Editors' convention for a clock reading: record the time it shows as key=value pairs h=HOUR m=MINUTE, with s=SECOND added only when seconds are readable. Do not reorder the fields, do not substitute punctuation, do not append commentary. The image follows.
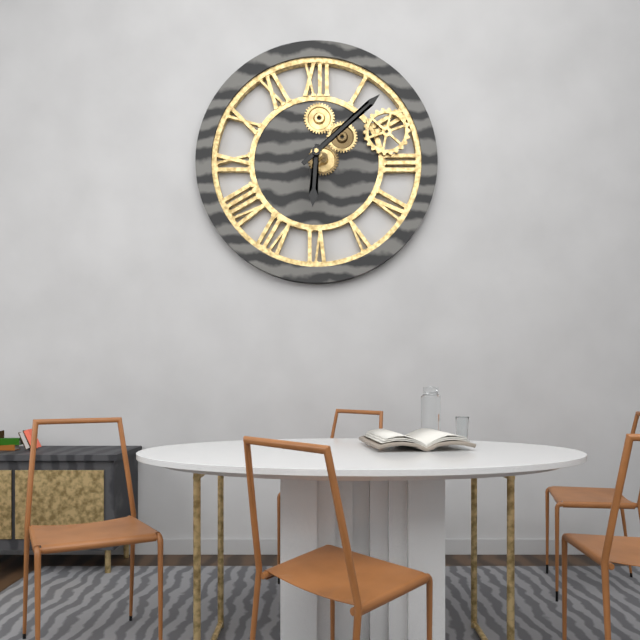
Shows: h=6 m=8
